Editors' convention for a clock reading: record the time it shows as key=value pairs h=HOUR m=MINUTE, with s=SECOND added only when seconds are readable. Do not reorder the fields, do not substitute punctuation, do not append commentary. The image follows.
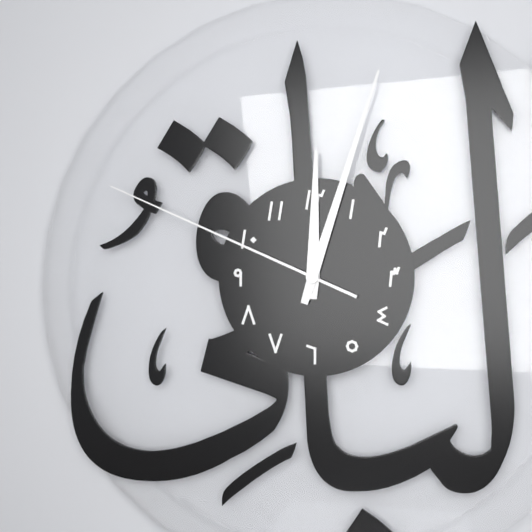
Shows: h=12 m=3 s=49
